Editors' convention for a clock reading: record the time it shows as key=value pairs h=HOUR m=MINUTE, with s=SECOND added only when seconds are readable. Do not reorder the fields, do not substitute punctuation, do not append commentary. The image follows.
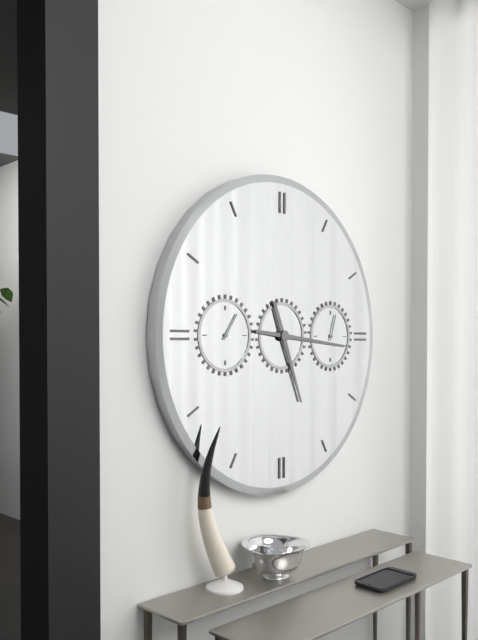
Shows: h=5 m=16
